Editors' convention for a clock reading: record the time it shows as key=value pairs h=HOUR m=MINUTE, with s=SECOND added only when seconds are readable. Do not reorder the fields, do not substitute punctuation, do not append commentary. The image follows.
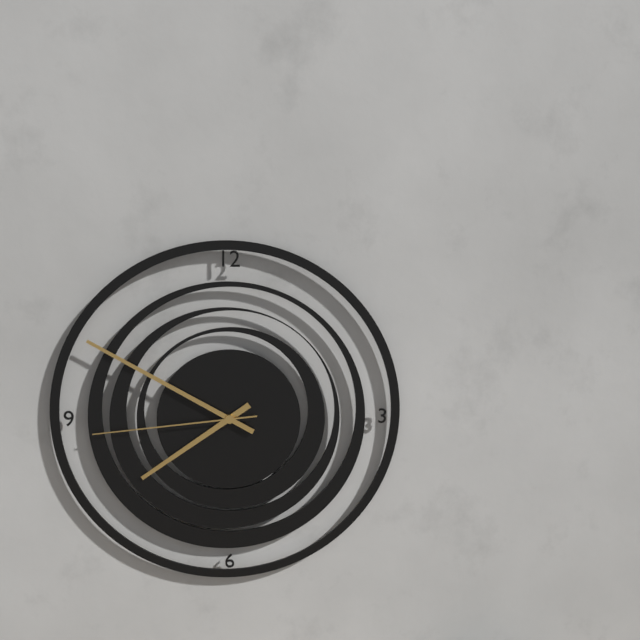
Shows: h=7 m=50 s=44
